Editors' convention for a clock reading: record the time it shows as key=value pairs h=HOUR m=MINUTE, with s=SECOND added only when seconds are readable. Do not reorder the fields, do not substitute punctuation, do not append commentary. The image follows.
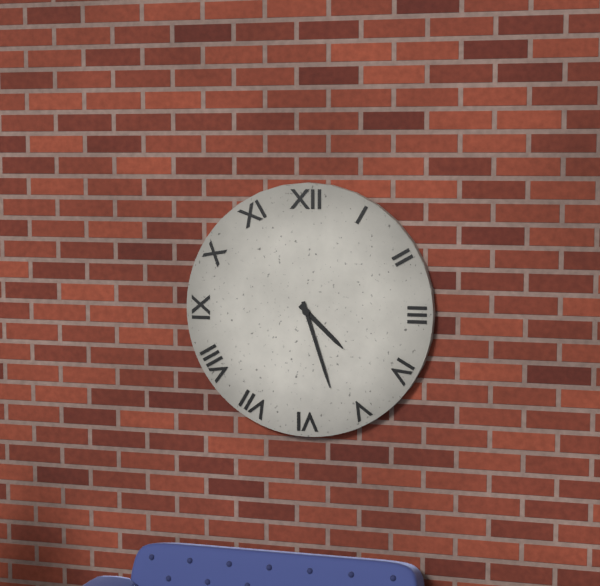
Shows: h=4 m=27
